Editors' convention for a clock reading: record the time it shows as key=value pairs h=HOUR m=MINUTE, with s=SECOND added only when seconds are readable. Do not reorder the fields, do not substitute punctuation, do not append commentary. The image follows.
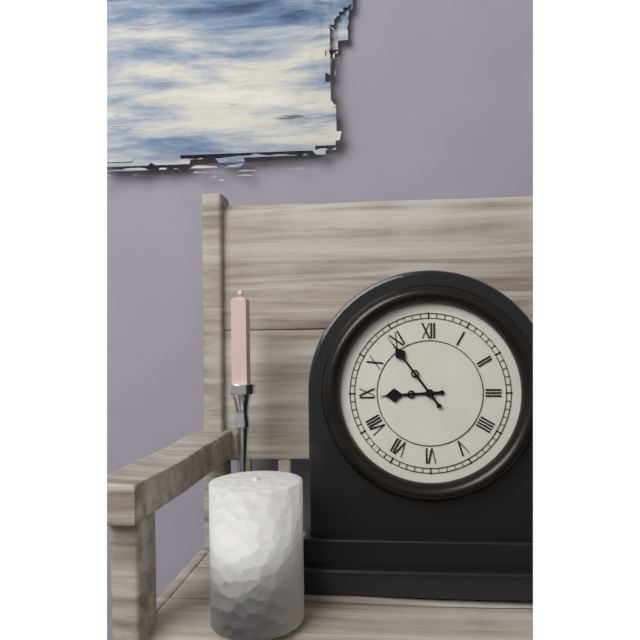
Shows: h=8 m=54
